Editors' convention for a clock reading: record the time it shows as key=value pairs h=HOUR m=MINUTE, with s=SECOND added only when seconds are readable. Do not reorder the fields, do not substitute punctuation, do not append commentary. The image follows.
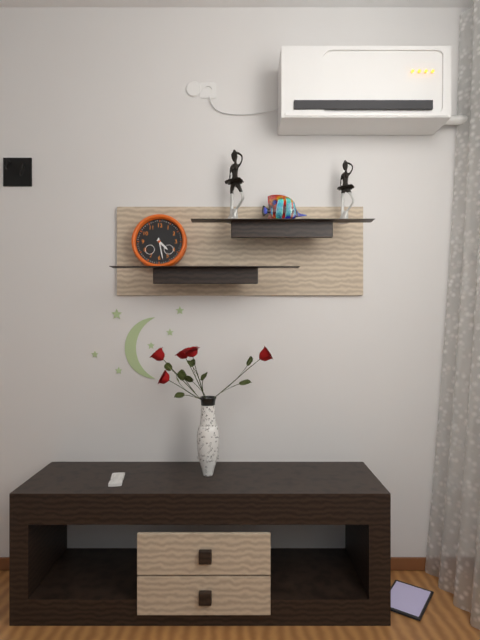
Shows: h=4 m=28
